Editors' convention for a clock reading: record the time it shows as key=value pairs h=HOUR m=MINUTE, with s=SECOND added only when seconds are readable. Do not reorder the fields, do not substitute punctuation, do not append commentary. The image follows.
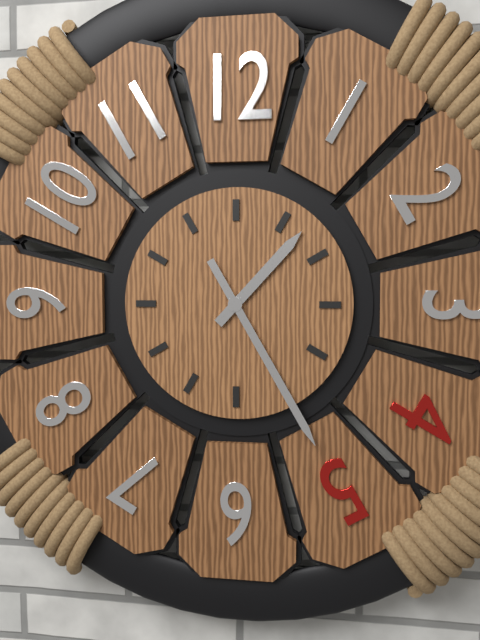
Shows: h=1 m=25
